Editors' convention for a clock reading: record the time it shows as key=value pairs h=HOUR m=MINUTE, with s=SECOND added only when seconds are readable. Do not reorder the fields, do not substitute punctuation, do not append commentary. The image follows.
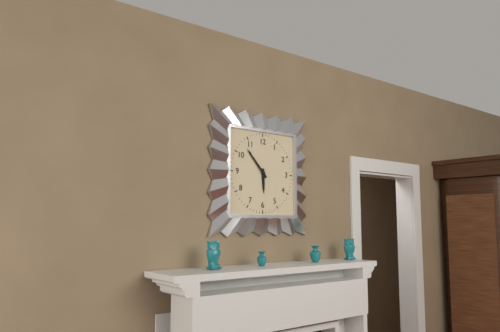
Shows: h=5 m=53
